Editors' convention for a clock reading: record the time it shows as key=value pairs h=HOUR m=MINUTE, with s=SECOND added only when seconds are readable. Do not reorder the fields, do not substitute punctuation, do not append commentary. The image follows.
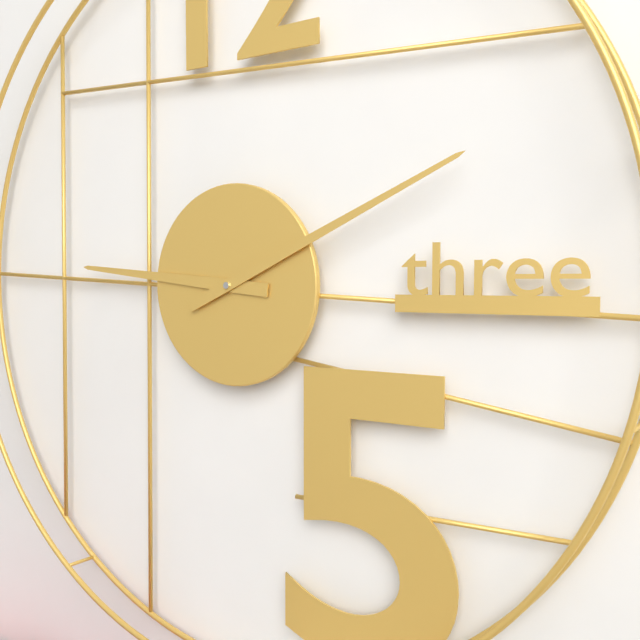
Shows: h=9 m=11
